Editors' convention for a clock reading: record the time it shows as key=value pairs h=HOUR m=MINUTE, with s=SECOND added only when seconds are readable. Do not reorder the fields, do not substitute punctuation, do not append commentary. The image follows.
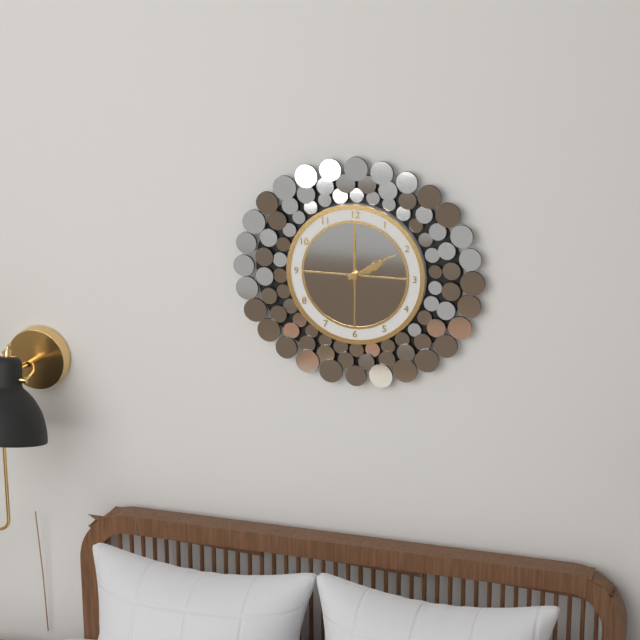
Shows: h=2 m=10 s=0
